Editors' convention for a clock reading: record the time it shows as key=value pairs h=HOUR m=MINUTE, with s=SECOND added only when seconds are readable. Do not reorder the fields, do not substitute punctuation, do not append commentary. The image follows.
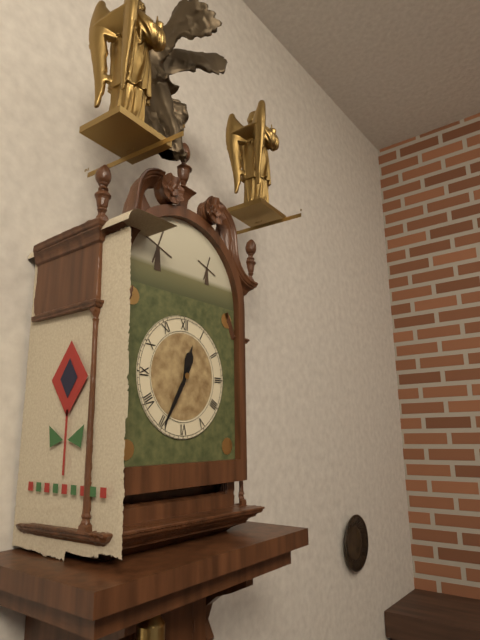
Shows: h=12 m=35
